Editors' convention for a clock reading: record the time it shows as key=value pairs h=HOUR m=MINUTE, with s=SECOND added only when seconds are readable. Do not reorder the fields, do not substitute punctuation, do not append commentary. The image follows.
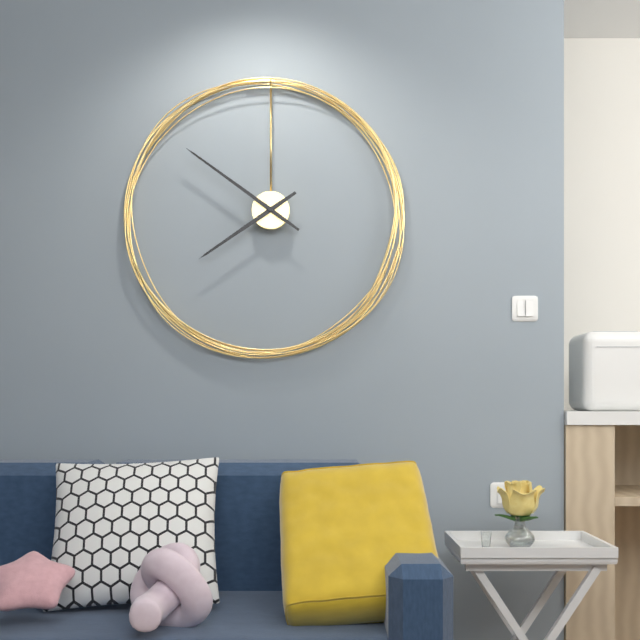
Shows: h=7 m=51
